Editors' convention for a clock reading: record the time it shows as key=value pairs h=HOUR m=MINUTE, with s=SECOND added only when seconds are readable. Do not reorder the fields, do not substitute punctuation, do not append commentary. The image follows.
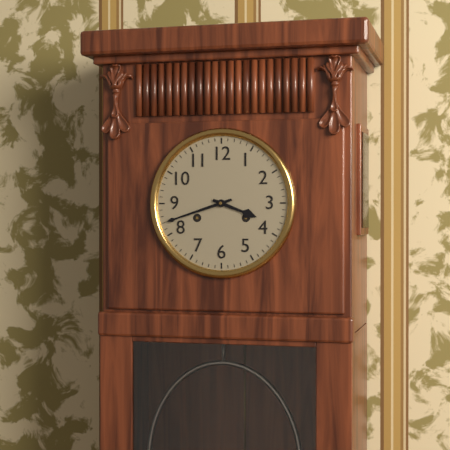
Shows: h=3 m=42
